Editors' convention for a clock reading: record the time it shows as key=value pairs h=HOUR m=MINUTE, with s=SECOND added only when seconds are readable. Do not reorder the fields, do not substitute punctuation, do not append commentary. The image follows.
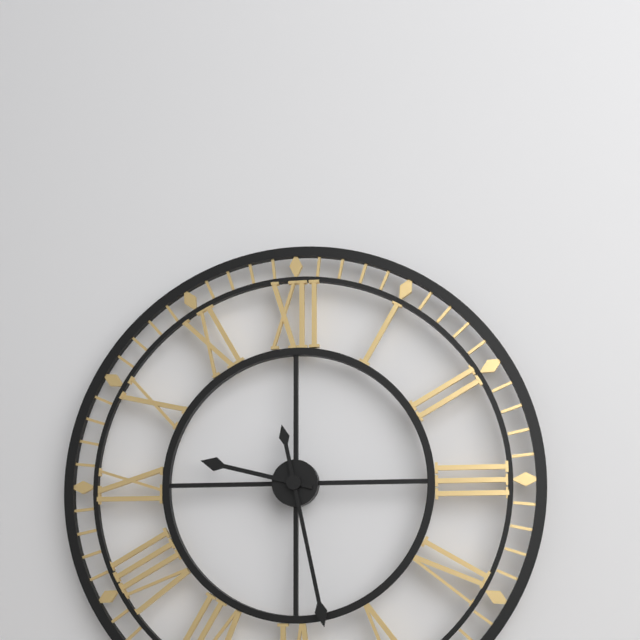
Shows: h=9 m=28
